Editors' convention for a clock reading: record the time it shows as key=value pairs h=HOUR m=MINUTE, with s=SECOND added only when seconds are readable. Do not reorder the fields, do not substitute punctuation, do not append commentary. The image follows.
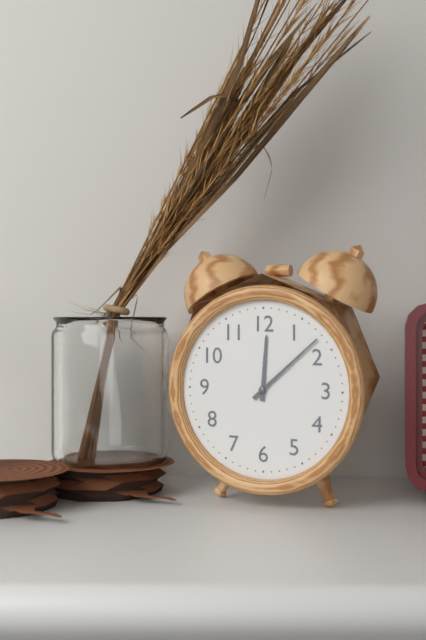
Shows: h=12 m=8
